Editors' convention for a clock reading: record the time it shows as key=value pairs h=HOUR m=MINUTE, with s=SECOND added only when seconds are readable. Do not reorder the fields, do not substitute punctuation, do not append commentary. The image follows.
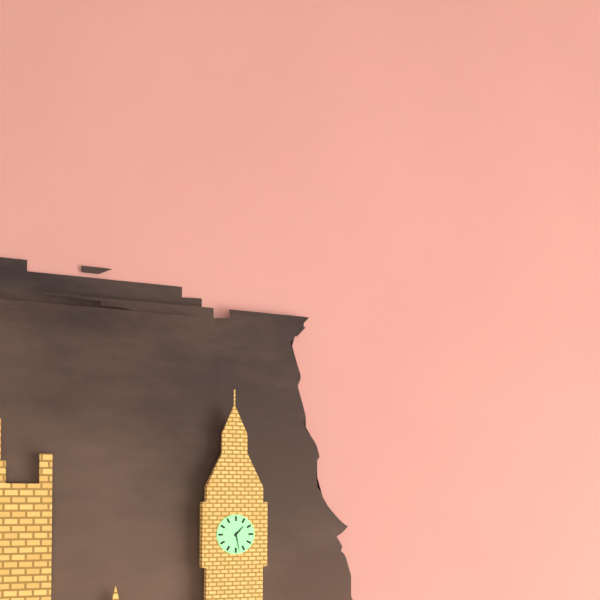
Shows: h=1 m=28
